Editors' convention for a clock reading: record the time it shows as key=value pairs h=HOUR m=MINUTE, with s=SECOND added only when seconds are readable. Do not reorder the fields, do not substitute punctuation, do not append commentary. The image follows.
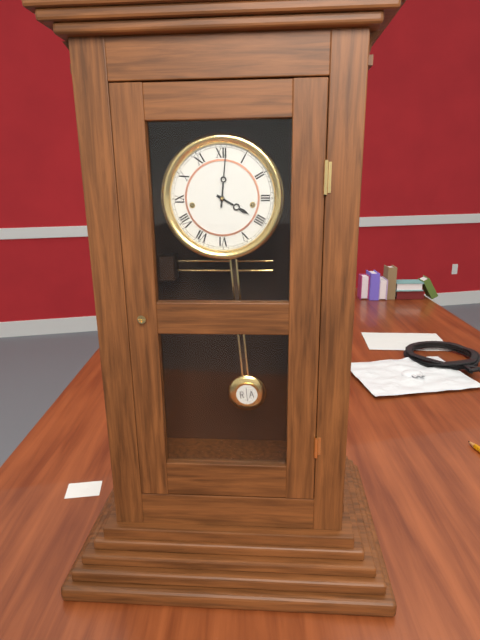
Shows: h=4 m=1
